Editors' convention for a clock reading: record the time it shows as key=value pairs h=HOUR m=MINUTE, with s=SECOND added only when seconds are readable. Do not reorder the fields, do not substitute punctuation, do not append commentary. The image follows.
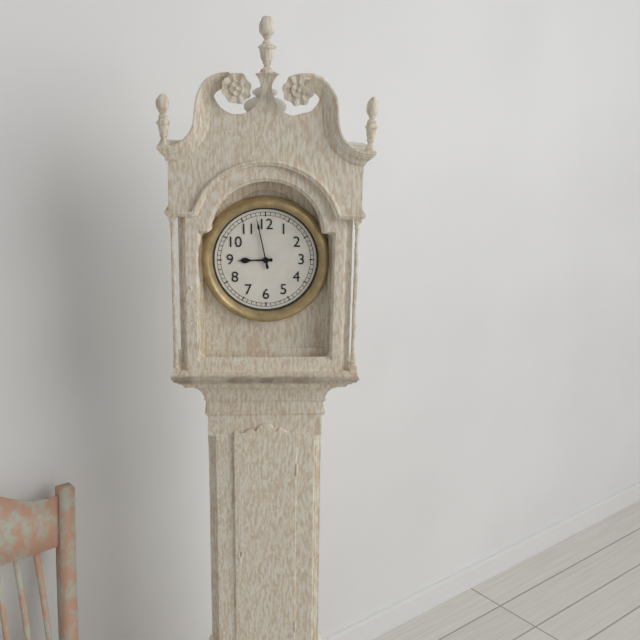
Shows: h=8 m=58
